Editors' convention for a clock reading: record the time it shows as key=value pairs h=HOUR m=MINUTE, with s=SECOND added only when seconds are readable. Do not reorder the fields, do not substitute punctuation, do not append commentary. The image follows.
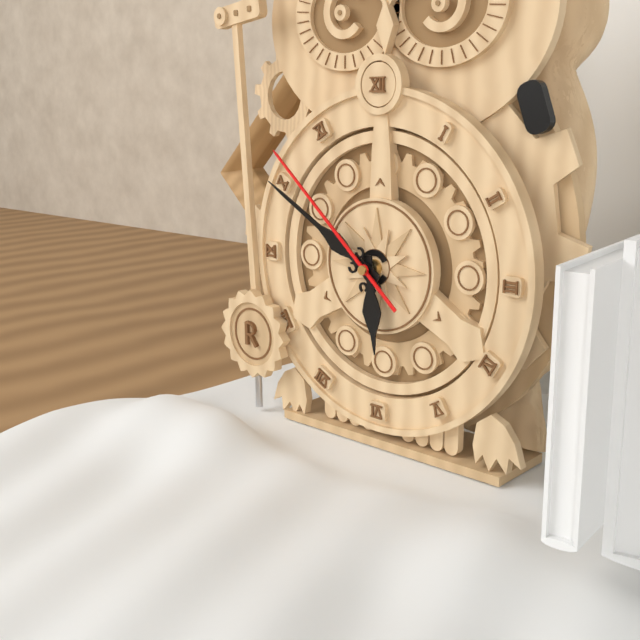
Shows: h=5 m=50 s=52
